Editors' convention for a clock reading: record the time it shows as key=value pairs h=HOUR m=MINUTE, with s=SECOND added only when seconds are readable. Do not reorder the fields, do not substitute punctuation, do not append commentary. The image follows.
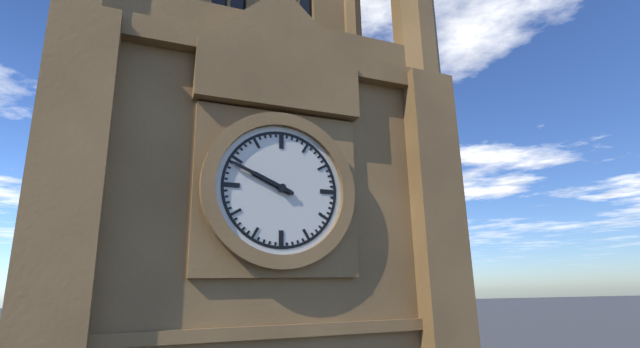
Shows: h=9 m=49
